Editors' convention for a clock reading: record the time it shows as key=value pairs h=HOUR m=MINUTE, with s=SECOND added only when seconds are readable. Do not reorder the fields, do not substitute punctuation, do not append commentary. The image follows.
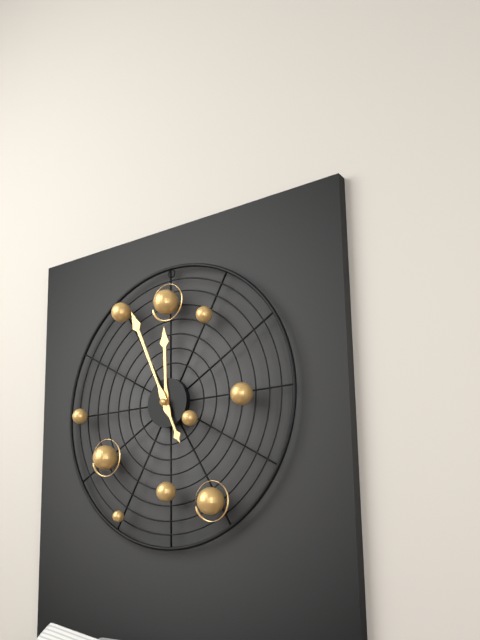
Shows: h=11 m=56
